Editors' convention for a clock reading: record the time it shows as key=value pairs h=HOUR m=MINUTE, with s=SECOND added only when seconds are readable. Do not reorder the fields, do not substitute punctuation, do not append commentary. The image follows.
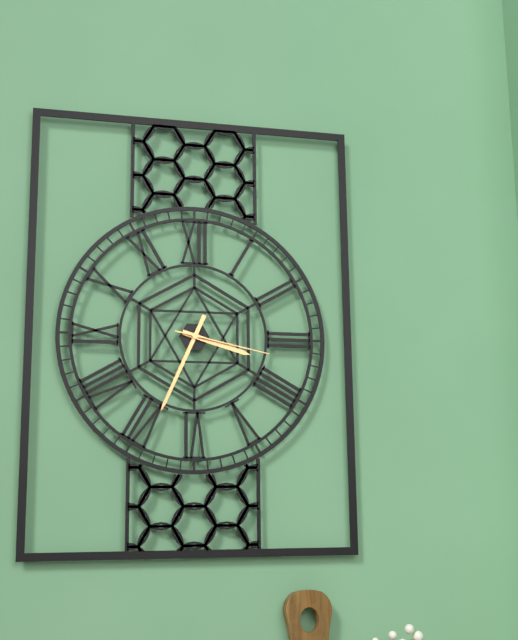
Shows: h=3 m=34 s=17
